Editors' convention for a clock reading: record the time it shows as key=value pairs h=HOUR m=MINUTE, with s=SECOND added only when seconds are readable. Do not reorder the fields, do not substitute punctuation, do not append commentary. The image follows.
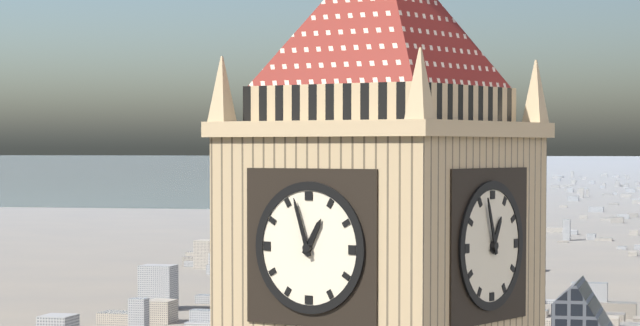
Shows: h=12 m=57
